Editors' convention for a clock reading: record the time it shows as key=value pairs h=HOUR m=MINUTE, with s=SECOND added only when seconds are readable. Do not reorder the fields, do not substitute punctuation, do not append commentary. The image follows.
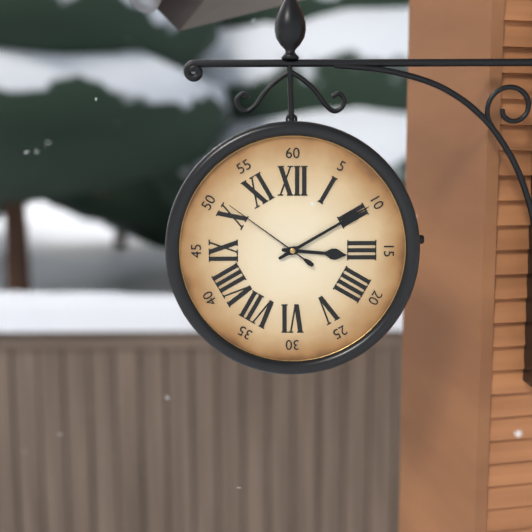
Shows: h=3 m=10 s=51
